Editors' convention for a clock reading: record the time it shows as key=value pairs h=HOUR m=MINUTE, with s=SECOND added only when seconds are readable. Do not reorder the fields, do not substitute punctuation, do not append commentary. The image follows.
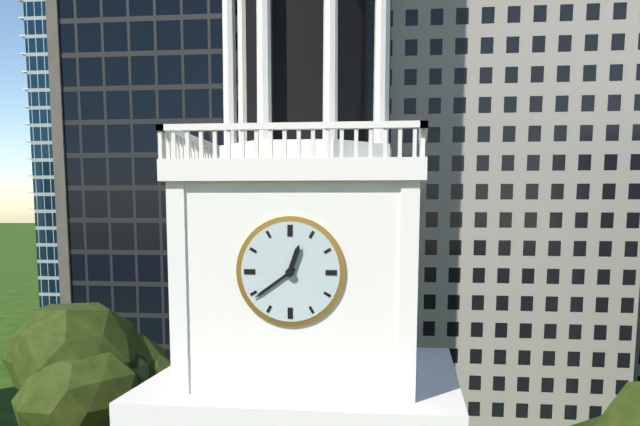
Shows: h=12 m=39
